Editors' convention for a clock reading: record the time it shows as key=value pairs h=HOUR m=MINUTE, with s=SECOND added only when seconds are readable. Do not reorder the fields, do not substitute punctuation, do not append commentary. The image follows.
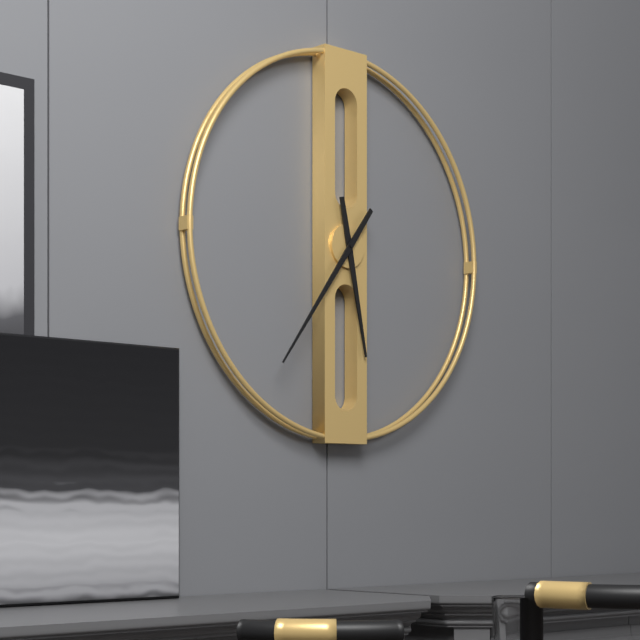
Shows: h=5 m=36
